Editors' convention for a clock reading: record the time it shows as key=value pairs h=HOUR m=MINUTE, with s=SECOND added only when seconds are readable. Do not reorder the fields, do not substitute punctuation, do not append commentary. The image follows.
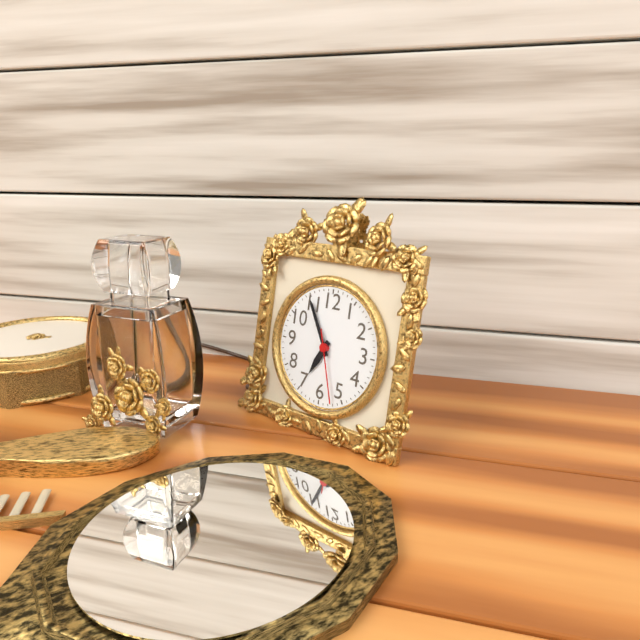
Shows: h=6 m=55 s=27
